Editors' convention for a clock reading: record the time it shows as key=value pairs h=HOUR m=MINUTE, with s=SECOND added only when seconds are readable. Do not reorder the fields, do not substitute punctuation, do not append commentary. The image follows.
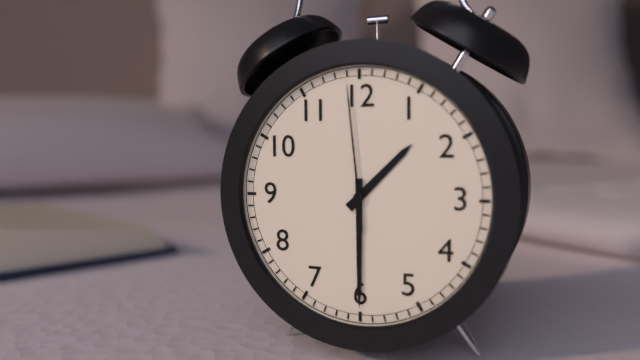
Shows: h=1 m=30 s=59
